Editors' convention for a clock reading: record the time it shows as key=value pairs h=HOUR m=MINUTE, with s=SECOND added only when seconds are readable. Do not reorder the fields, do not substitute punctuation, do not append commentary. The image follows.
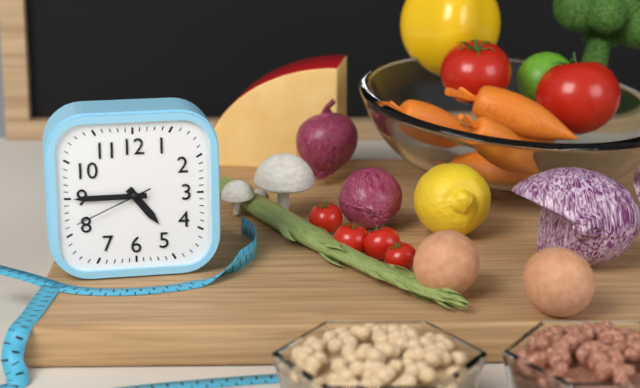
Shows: h=4 m=45 s=41
